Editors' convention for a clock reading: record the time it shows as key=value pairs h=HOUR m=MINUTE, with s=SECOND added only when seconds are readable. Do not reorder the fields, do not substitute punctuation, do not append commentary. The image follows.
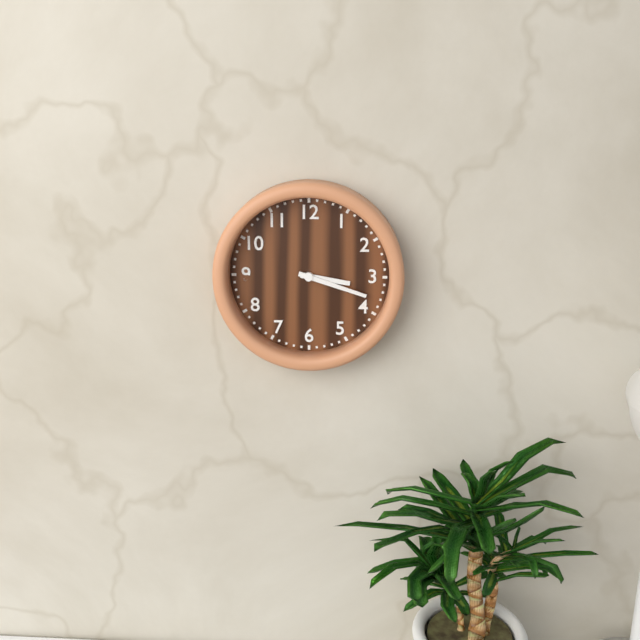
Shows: h=3 m=18
